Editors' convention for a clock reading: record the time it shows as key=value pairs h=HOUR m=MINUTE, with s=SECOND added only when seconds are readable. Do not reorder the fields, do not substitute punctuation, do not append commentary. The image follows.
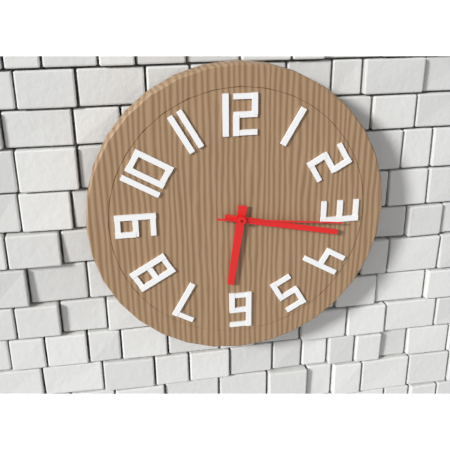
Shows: h=6 m=17 s=16
